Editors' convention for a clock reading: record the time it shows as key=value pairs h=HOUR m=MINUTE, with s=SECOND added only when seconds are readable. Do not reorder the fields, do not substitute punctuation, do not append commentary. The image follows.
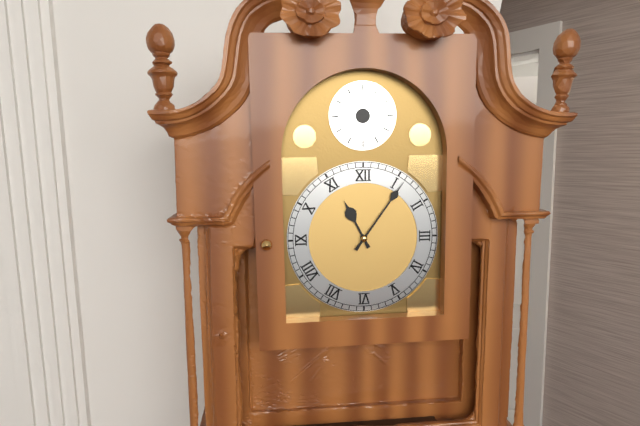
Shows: h=11 m=6
